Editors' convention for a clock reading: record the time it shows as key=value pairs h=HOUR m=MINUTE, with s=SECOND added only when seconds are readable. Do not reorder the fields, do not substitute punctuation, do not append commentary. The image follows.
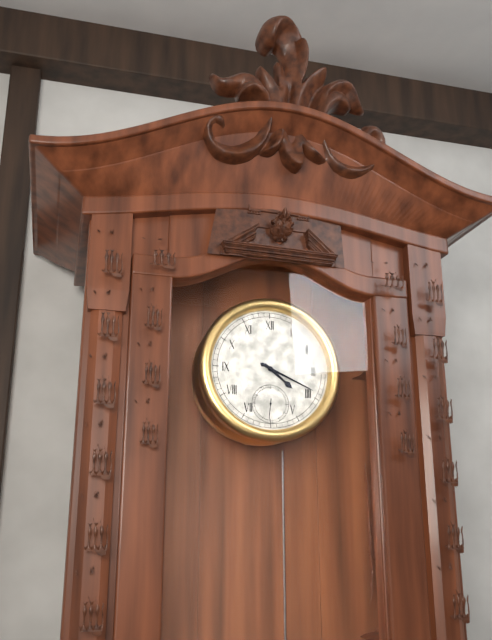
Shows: h=4 m=19
